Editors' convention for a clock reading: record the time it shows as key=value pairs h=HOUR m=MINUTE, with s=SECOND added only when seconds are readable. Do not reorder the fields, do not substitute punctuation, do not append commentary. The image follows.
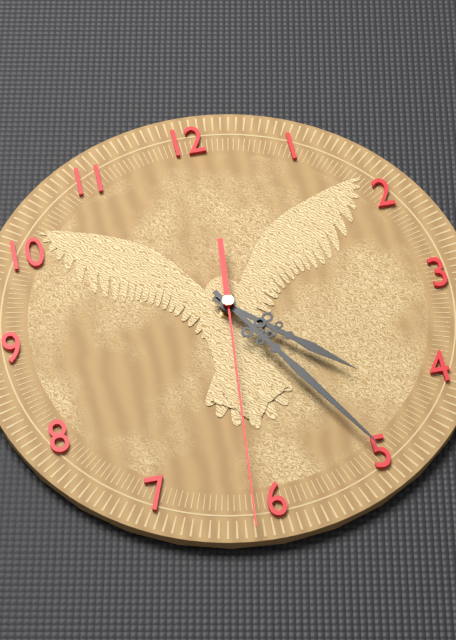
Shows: h=4 m=25 s=31
